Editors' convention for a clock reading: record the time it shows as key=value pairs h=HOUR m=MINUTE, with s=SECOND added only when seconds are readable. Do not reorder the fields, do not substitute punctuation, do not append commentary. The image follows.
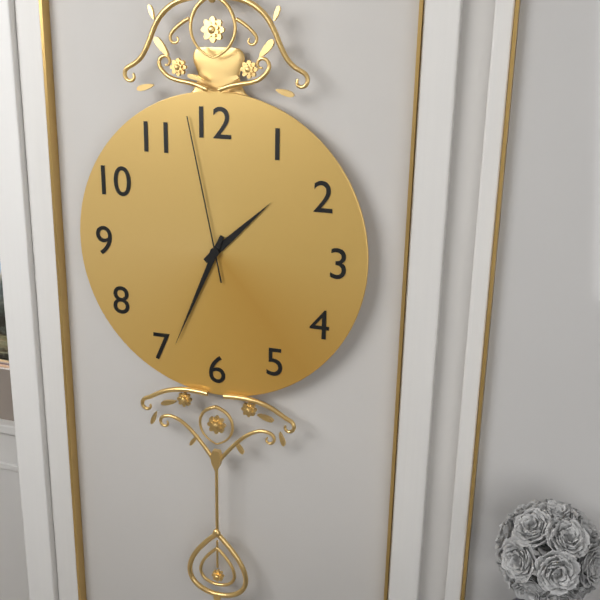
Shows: h=1 m=34 s=58
